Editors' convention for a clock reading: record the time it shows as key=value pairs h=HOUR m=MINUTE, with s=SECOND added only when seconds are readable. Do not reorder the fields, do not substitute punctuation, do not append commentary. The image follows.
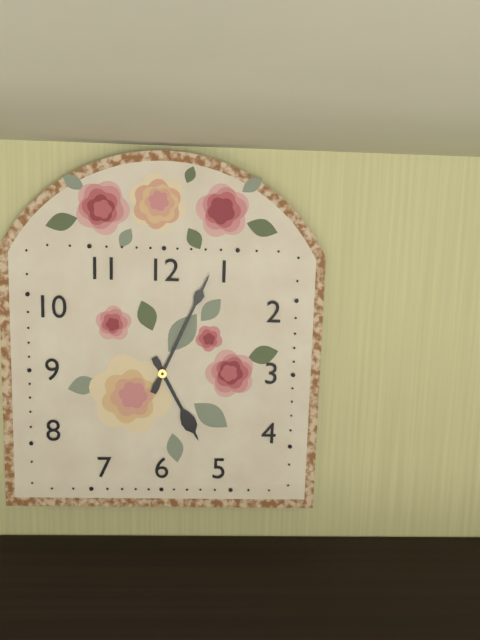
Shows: h=5 m=4
